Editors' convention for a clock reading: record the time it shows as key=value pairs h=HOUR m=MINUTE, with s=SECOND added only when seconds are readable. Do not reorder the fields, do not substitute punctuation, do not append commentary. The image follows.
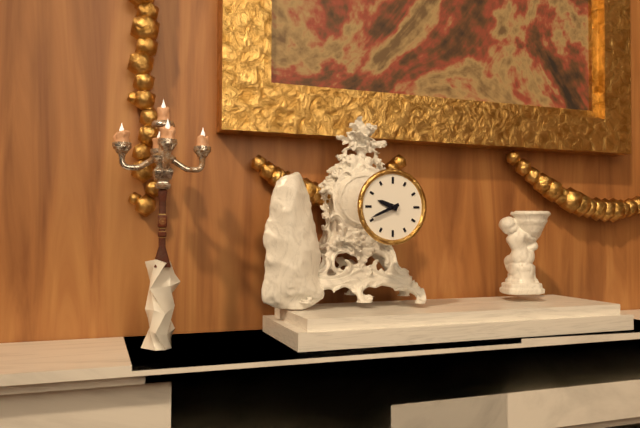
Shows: h=9 m=41
